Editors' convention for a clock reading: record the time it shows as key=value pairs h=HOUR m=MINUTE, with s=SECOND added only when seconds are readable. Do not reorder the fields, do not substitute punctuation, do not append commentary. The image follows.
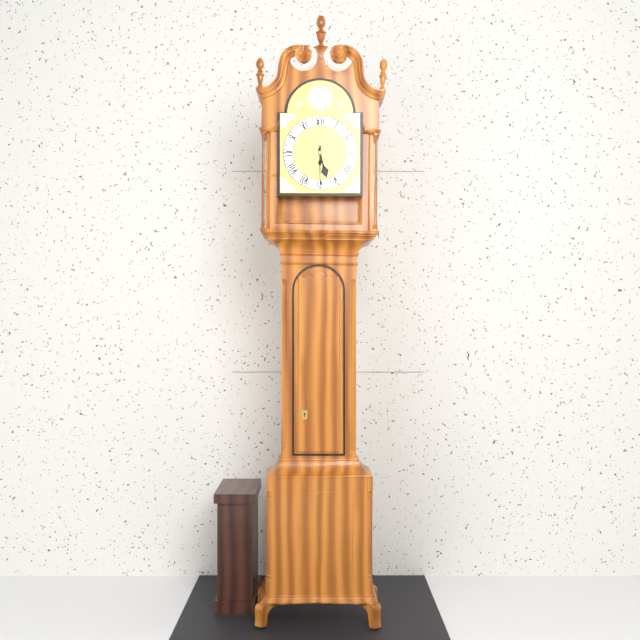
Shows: h=5 m=30
